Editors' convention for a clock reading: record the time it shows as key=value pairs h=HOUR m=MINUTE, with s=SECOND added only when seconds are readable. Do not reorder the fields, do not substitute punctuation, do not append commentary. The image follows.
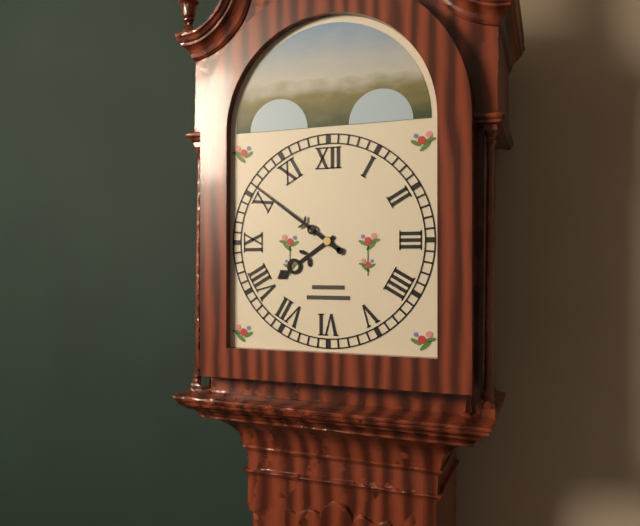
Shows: h=7 m=51
